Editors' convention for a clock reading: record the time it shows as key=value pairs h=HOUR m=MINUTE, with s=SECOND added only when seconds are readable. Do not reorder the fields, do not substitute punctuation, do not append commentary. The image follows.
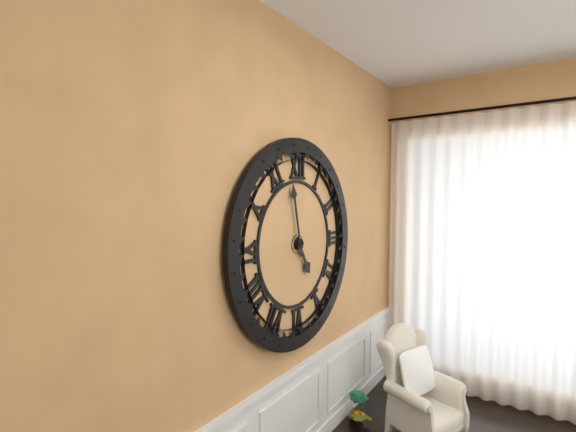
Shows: h=4 m=58
